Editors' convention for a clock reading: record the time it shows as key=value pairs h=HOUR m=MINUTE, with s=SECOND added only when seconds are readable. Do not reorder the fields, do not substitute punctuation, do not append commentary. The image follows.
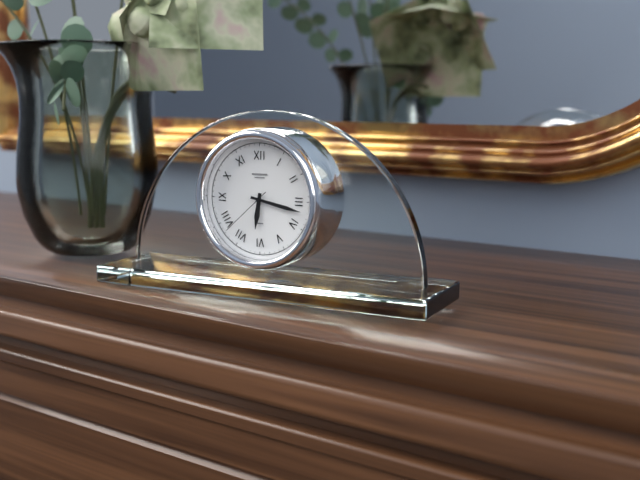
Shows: h=6 m=17 s=38
